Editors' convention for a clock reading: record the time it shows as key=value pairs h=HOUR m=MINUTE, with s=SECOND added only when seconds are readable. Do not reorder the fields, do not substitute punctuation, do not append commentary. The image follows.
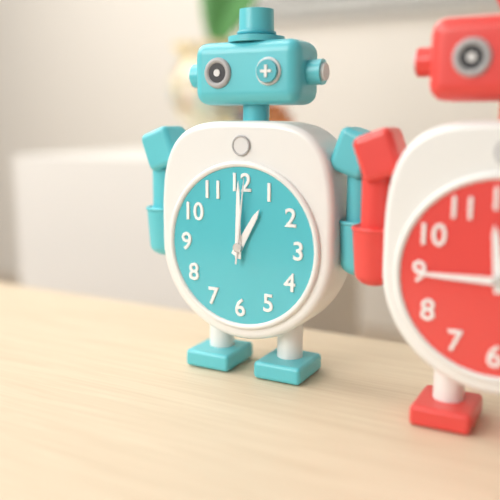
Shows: h=1 m=0 s=1
